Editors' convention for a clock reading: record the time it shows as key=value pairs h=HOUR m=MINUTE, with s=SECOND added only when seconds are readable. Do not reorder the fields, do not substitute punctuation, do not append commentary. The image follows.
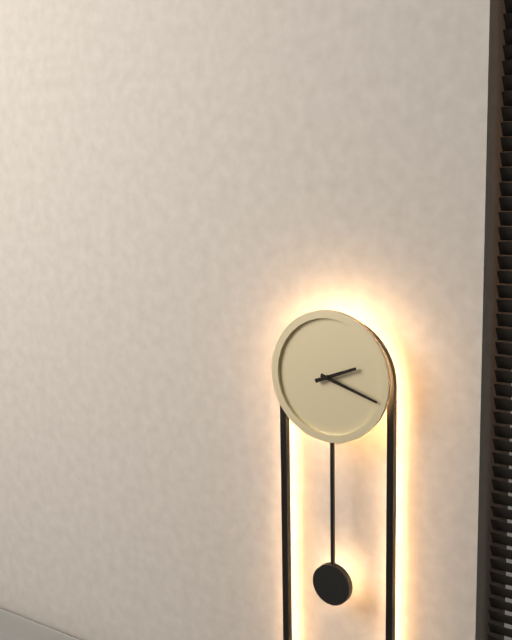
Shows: h=2 m=18
